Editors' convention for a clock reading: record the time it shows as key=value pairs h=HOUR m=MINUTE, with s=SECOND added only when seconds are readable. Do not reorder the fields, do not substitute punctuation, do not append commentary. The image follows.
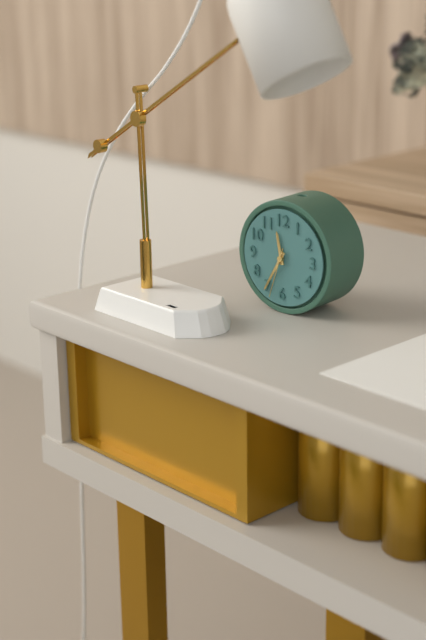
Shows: h=11 m=35
